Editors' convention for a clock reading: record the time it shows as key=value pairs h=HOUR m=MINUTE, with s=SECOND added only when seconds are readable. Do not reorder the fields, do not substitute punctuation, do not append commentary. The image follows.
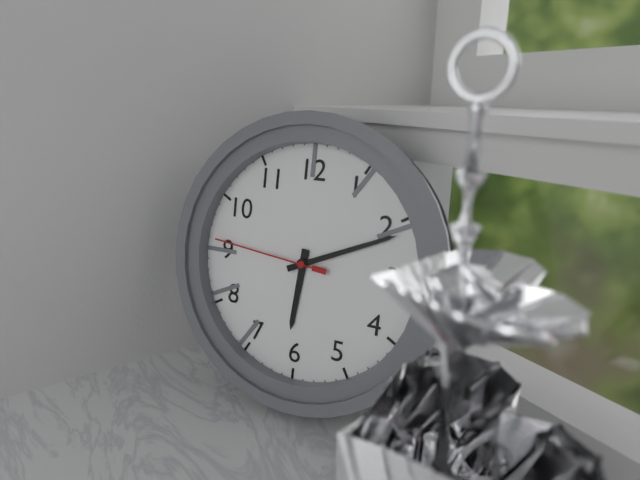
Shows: h=6 m=11 s=46
